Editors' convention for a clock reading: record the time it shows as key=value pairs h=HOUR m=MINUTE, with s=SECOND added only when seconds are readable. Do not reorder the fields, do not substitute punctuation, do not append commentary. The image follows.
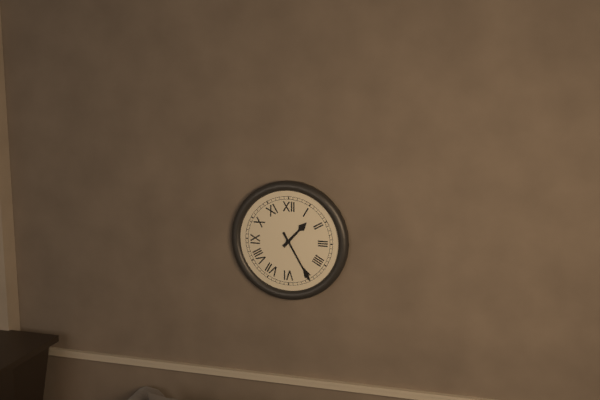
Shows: h=1 m=25
